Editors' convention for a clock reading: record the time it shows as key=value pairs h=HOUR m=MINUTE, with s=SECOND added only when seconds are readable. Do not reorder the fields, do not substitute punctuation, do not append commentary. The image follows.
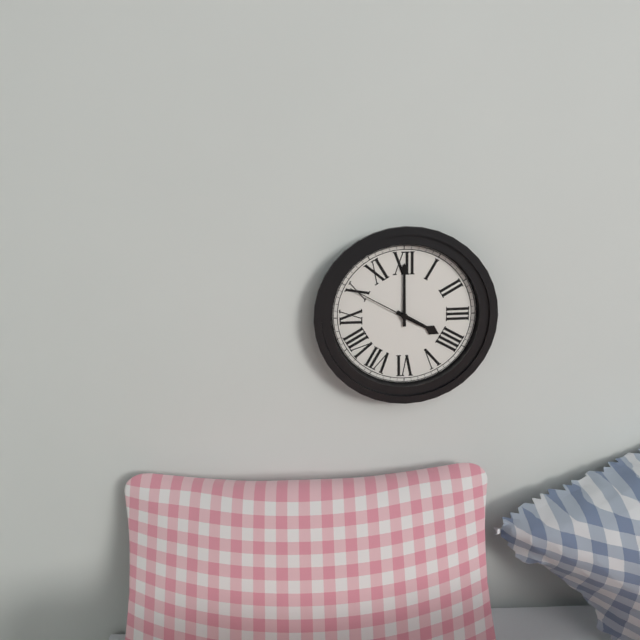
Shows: h=4 m=0 s=50
